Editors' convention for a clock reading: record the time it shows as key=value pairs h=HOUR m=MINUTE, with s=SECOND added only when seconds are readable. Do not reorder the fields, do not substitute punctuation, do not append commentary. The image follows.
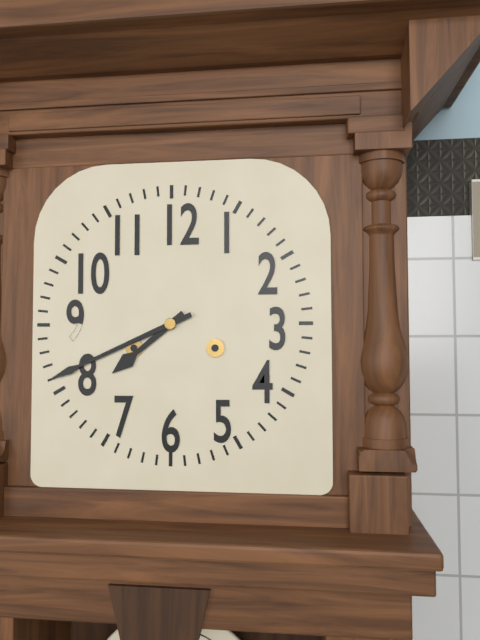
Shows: h=7 m=41
